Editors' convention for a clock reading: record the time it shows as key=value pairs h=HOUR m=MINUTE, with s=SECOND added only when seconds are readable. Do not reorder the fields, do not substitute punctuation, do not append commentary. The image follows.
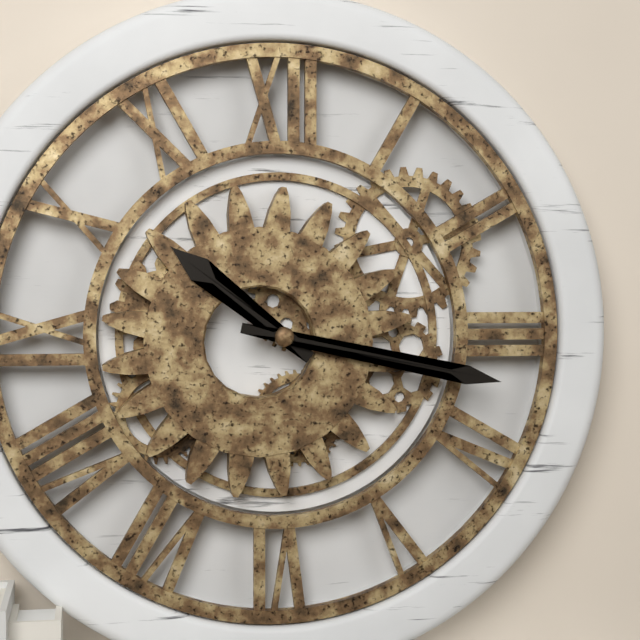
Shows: h=10 m=17
